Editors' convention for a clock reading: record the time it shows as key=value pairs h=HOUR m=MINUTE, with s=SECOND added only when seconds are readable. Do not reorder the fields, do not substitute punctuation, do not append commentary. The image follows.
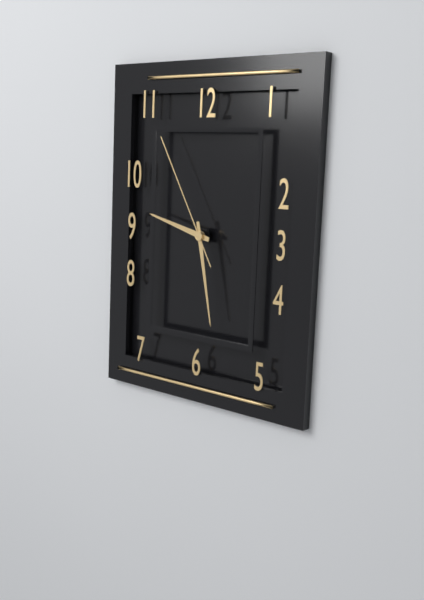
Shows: h=9 m=28 s=55
